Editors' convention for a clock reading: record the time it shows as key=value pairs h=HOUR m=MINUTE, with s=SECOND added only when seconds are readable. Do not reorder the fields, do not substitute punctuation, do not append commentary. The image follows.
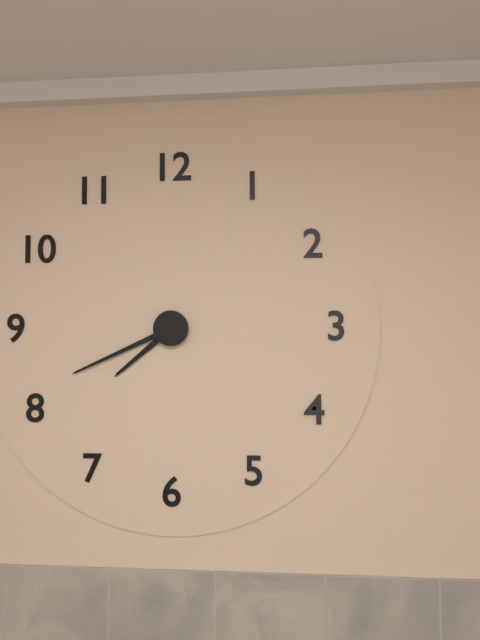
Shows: h=7 m=41
